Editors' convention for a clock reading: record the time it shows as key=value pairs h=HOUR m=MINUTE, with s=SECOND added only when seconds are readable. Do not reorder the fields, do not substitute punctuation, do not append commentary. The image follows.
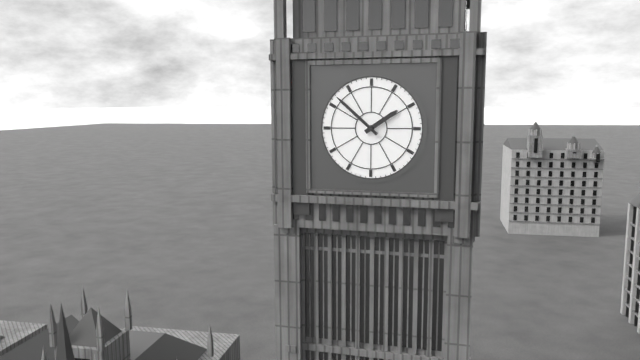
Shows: h=1 m=52
